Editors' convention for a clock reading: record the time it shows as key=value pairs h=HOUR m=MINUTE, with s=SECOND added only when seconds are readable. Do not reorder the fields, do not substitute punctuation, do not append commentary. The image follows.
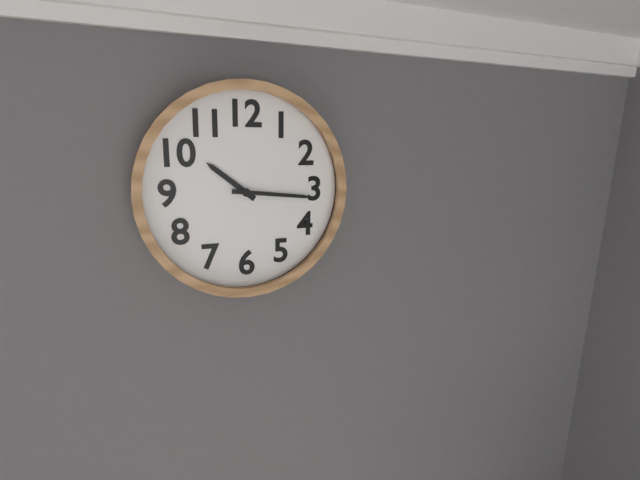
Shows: h=10 m=16
